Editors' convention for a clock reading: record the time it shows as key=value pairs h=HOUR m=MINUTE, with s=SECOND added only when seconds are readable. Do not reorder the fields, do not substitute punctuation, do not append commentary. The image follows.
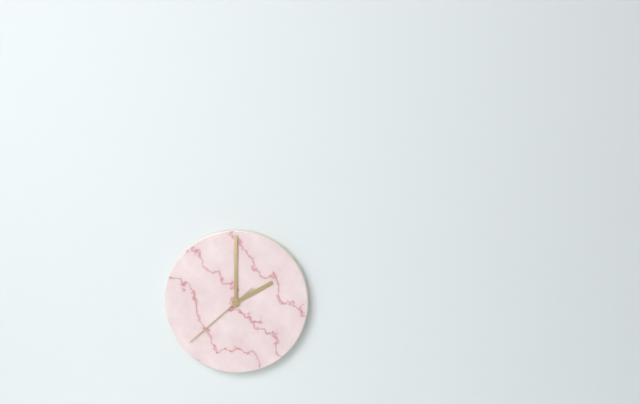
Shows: h=2 m=0 s=38
